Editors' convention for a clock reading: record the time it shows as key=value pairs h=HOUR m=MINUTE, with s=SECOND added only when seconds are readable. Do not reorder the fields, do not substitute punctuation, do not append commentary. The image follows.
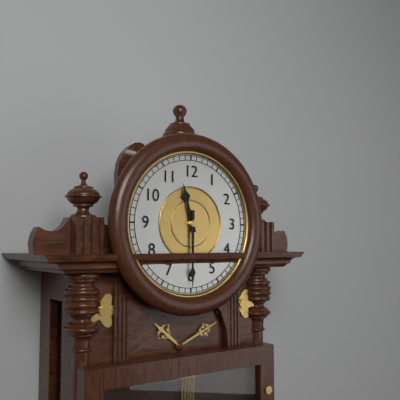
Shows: h=11 m=30
